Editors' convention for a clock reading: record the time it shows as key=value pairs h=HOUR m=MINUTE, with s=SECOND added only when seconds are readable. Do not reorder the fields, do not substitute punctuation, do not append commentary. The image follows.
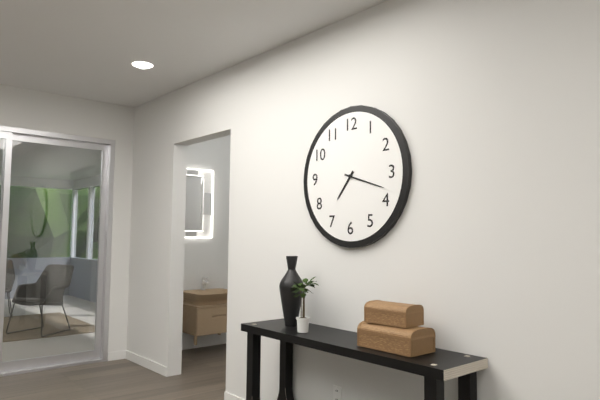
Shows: h=7 m=18
